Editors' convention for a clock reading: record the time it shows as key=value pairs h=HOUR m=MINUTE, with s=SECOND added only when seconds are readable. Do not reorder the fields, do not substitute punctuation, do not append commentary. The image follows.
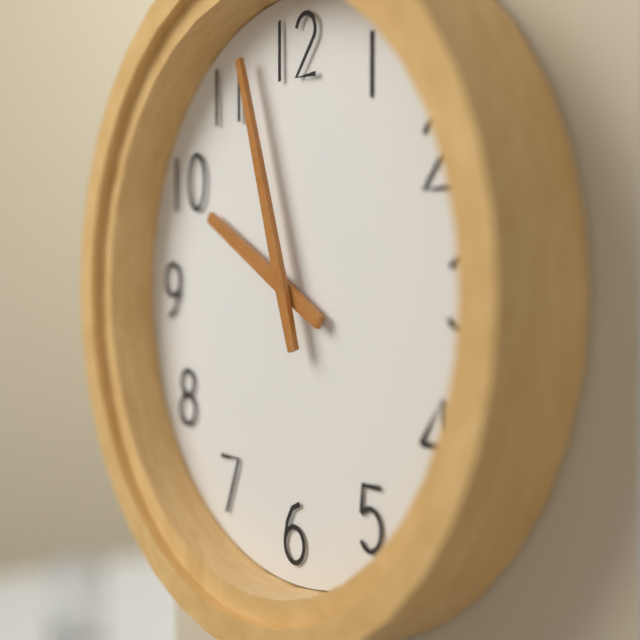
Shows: h=9 m=57
